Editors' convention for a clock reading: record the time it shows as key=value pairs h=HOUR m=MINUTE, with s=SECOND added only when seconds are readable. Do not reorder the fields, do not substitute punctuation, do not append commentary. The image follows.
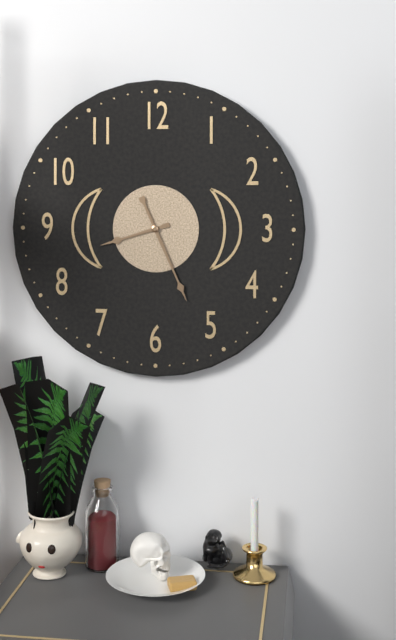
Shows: h=8 m=26
